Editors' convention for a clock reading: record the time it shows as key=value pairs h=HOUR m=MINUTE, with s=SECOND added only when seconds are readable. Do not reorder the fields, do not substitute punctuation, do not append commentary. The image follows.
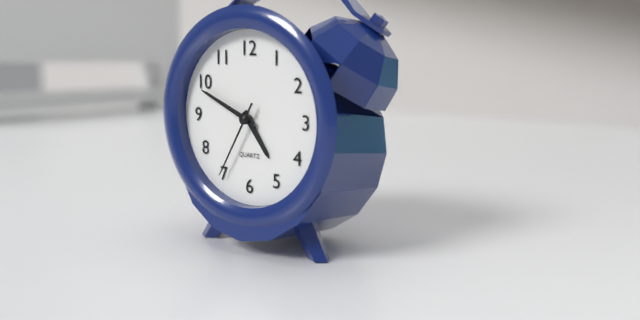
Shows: h=4 m=49 s=35
